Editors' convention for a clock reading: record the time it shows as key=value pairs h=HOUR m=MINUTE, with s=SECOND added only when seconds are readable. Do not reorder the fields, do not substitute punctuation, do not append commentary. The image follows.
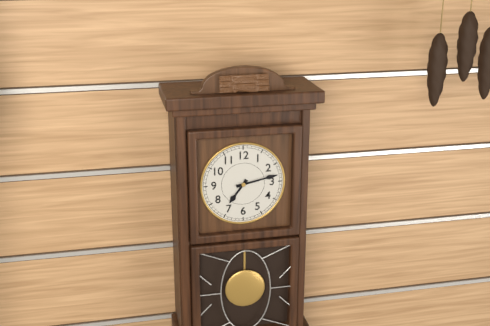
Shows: h=7 m=13
